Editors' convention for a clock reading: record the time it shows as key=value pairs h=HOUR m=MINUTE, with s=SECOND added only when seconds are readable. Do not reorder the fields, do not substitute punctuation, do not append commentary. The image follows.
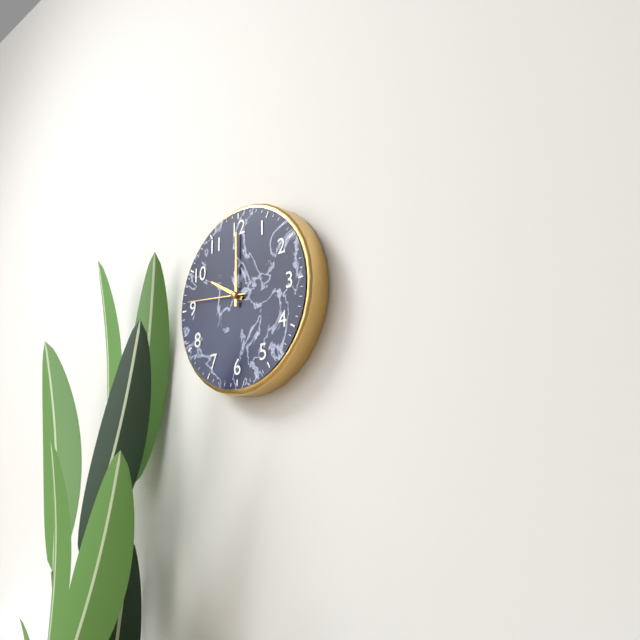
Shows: h=10 m=0 s=46
